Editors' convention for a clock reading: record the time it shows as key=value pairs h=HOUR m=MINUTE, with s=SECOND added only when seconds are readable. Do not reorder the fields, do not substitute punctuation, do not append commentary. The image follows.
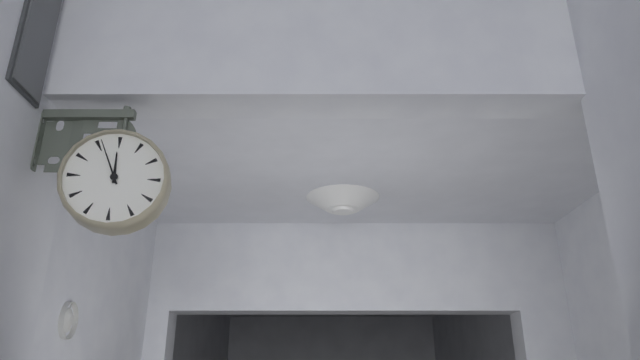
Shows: h=11 m=56
